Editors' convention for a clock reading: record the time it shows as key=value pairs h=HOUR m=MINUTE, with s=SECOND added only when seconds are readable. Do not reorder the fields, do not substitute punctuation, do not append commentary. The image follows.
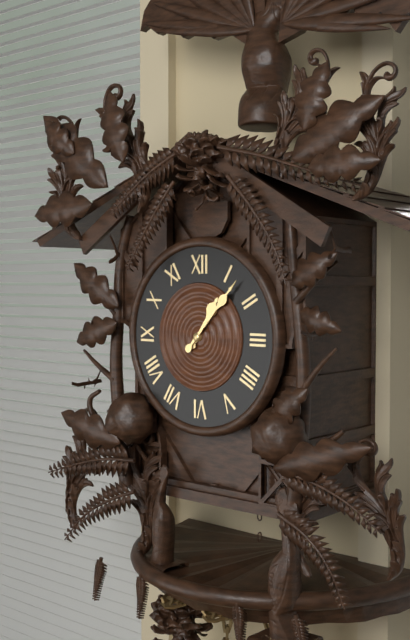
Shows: h=1 m=7
